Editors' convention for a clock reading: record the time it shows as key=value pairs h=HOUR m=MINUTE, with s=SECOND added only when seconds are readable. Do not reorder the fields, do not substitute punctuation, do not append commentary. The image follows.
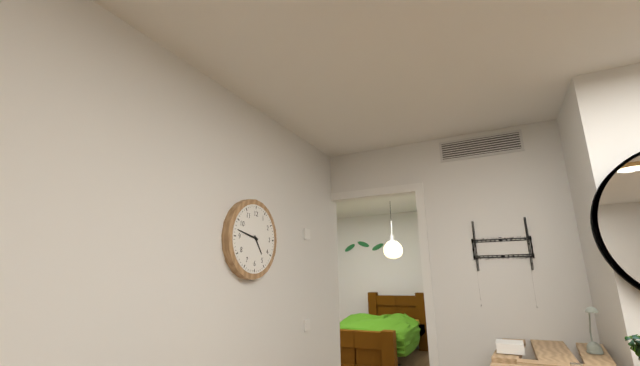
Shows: h=4 m=47
